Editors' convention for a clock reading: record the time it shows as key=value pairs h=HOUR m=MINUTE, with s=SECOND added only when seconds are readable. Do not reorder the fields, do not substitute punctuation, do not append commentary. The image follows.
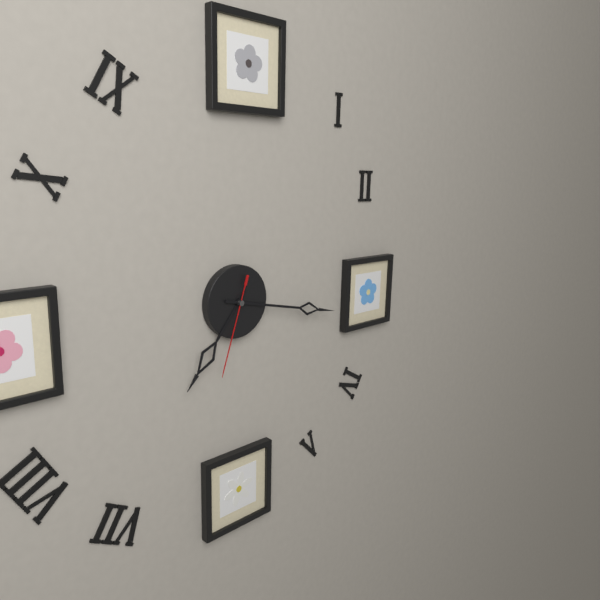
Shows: h=7 m=17 s=33
